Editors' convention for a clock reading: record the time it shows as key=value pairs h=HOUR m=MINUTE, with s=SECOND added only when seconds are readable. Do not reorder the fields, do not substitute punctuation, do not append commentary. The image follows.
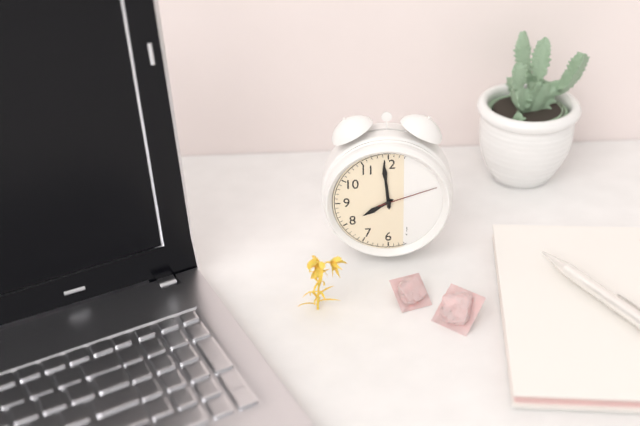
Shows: h=7 m=59 s=12
